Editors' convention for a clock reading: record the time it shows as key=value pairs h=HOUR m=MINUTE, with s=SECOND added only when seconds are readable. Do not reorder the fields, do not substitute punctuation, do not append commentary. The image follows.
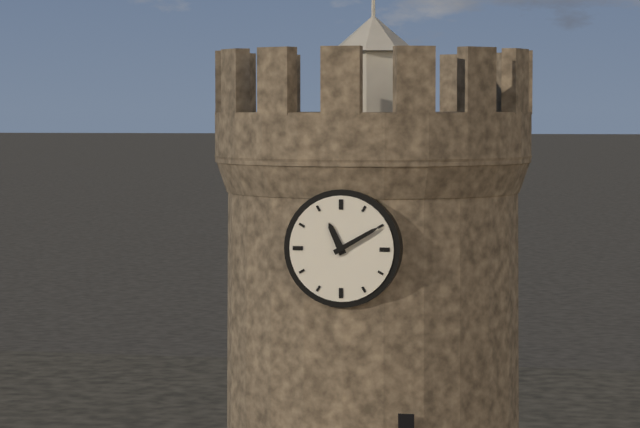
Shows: h=11 m=10
